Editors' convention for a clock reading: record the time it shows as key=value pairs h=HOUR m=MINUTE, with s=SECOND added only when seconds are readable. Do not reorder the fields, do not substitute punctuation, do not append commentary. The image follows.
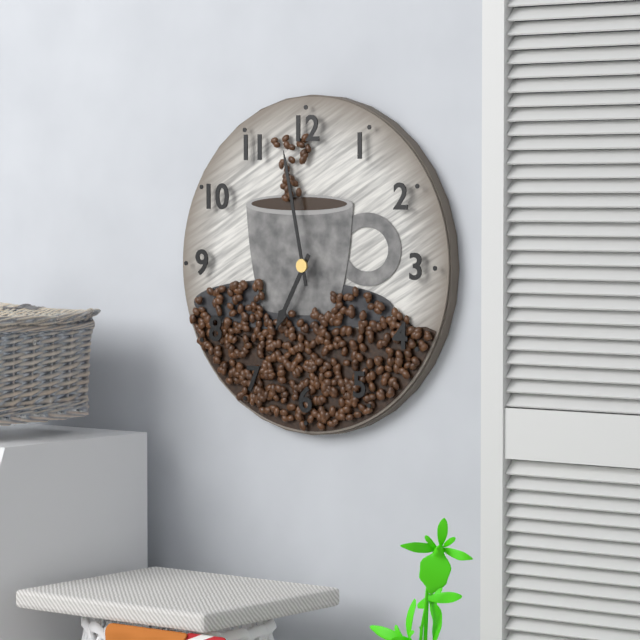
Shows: h=6 m=58
